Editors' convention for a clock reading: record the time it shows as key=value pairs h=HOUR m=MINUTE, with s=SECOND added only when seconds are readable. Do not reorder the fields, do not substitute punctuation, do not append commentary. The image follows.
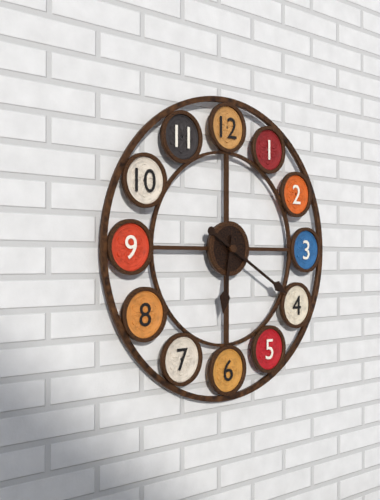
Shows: h=6 m=20
